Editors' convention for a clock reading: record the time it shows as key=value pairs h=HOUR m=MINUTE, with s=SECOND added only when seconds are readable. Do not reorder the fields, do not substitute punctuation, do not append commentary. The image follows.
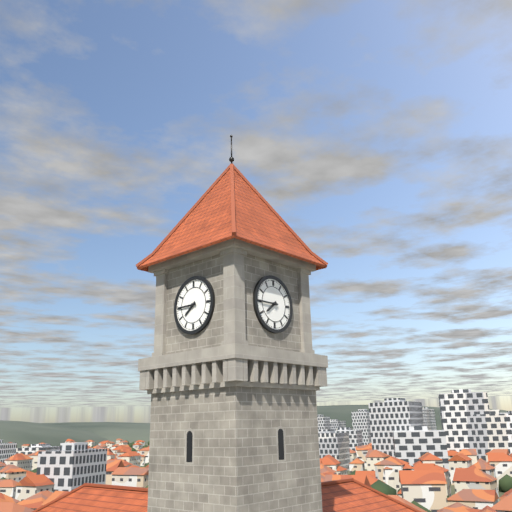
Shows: h=7 m=45
